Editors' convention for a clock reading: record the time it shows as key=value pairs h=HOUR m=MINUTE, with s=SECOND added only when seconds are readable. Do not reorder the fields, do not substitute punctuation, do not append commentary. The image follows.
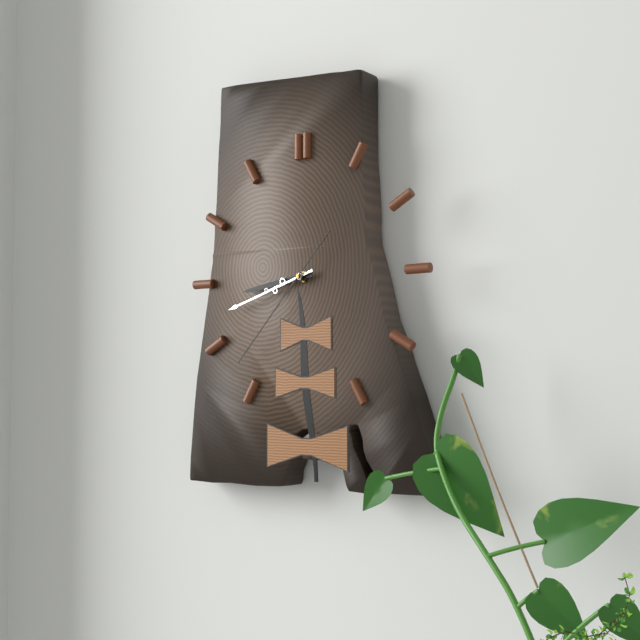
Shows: h=8 m=42 s=37
